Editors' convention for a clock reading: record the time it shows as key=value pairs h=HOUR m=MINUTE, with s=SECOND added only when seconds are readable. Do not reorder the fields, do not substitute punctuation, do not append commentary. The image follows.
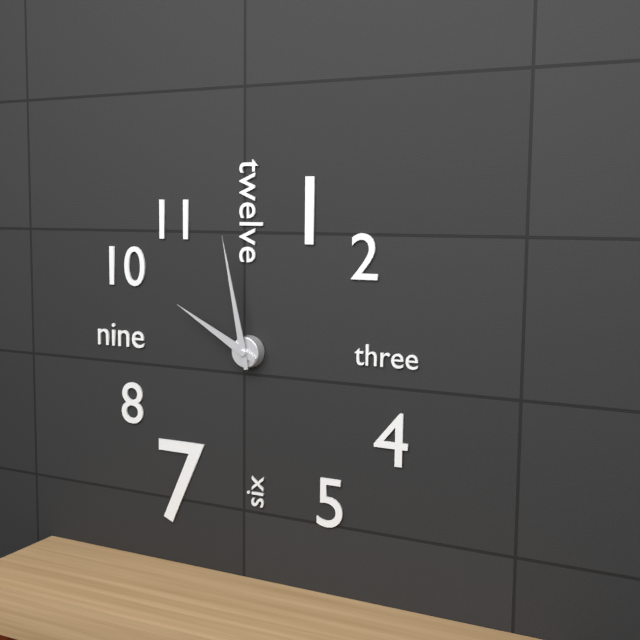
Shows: h=9 m=58
